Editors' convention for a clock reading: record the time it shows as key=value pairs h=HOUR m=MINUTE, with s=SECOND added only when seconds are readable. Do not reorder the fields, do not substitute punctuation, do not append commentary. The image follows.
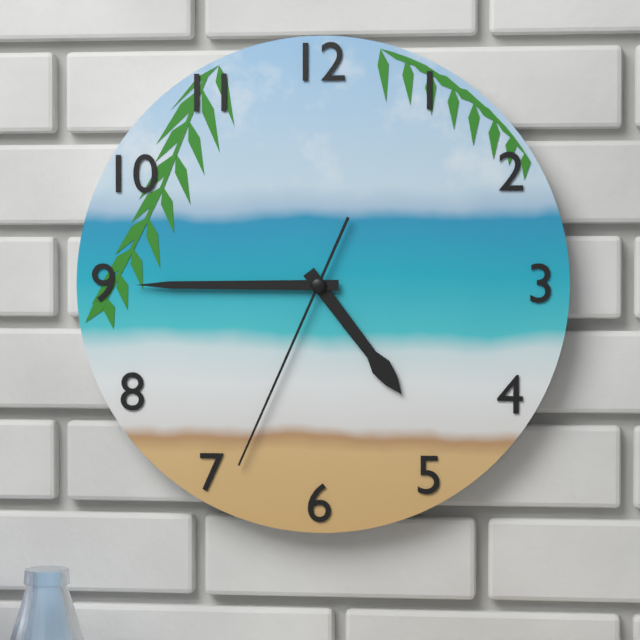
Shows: h=4 m=45 s=34
